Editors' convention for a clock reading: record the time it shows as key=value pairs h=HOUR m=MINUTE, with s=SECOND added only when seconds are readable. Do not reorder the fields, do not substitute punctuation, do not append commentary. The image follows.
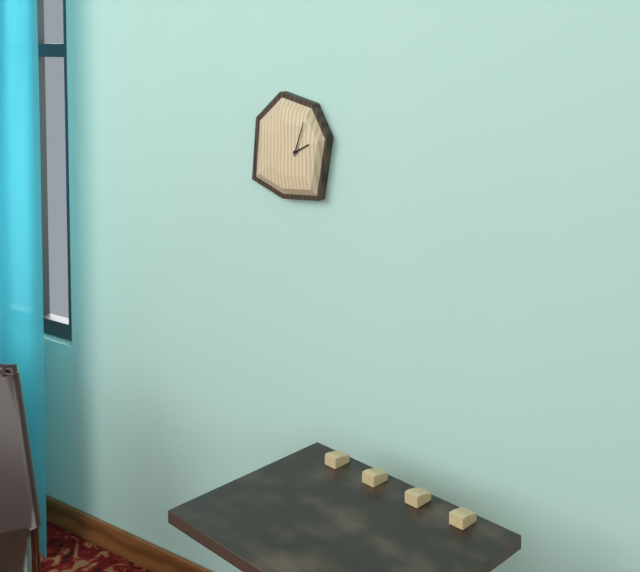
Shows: h=2 m=3
